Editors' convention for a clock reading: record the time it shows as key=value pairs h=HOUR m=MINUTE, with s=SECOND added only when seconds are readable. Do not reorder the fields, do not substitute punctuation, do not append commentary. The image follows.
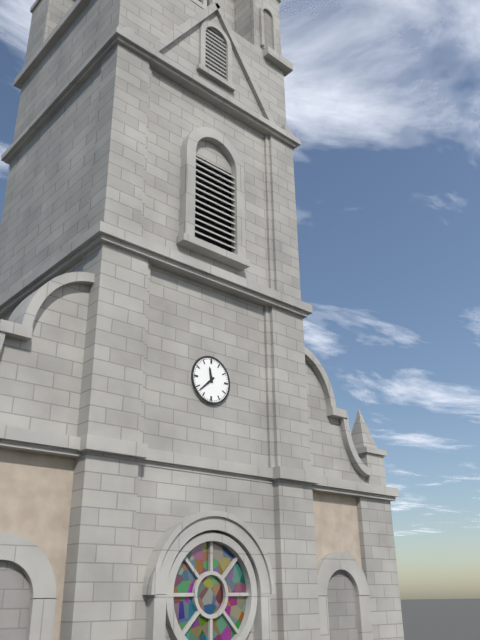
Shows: h=11 m=38
